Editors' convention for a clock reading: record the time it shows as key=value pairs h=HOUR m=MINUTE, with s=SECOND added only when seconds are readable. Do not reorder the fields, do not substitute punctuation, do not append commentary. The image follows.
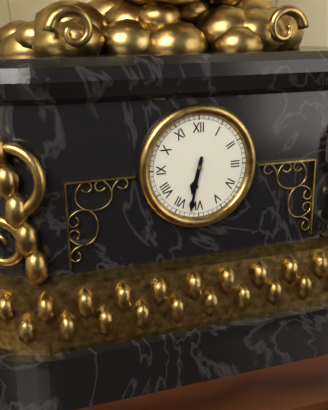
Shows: h=6 m=32
